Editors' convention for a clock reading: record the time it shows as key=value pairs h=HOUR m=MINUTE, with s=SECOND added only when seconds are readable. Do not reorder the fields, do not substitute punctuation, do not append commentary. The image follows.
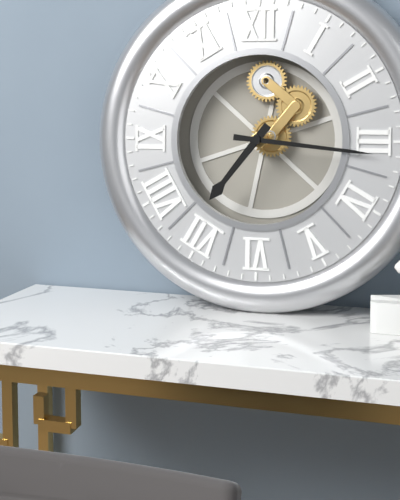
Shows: h=7 m=16
